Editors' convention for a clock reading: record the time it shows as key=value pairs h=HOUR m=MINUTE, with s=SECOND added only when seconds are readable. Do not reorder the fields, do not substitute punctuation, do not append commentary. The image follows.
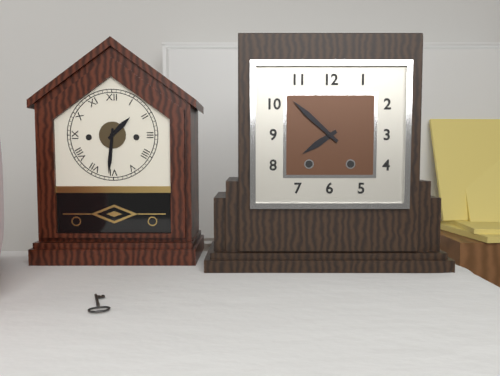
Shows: h=7 m=52
